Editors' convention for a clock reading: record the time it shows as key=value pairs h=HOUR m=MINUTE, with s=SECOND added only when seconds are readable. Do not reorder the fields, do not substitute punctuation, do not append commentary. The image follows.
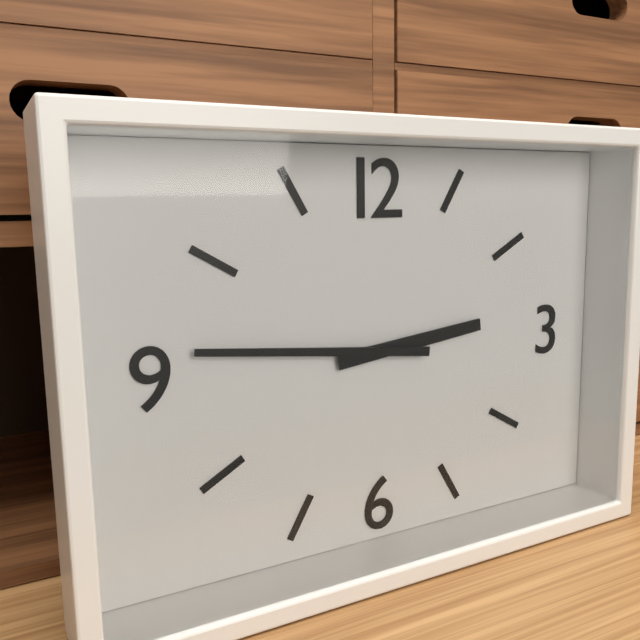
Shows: h=2 m=46
